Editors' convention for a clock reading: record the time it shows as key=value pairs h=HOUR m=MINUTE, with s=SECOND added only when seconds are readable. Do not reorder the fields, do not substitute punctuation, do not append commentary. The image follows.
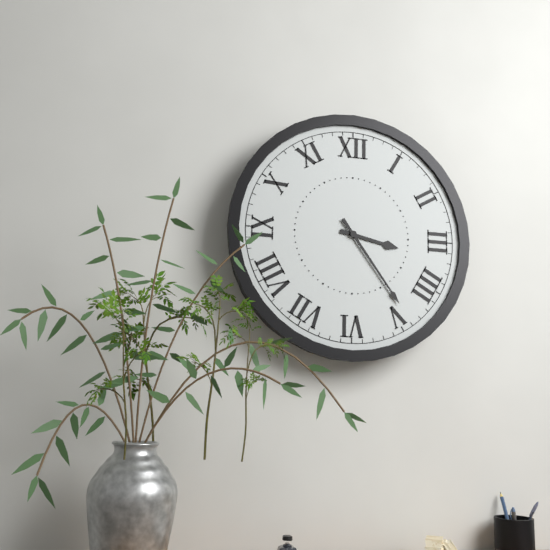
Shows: h=3 m=24
